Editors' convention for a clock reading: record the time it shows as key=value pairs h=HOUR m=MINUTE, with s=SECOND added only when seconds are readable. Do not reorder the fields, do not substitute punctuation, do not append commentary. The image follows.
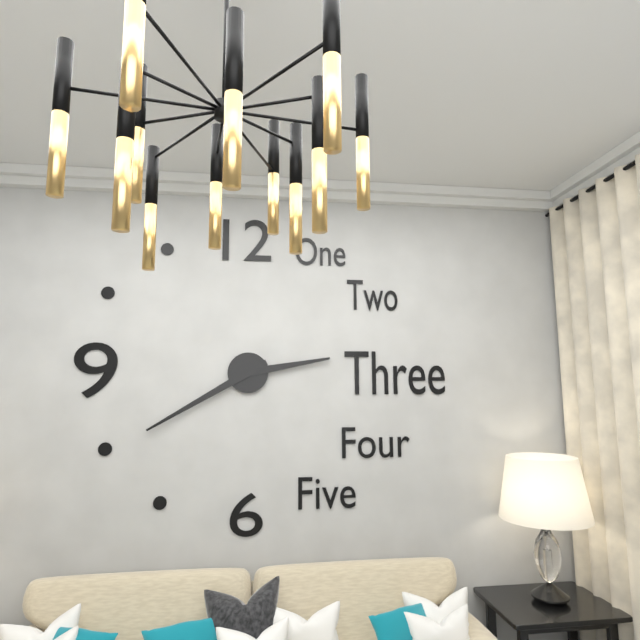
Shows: h=2 m=40
